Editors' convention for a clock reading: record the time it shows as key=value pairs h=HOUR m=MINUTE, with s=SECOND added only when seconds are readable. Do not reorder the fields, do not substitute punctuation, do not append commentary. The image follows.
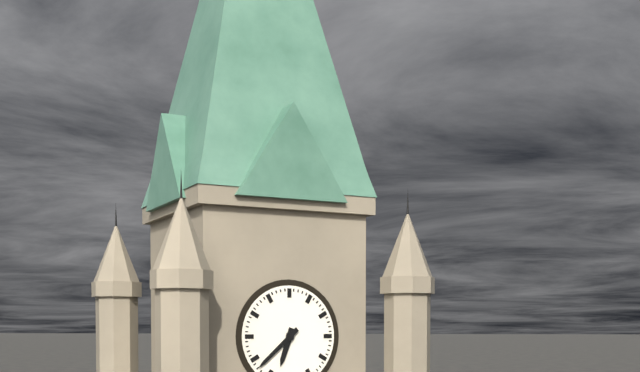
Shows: h=6 m=38
